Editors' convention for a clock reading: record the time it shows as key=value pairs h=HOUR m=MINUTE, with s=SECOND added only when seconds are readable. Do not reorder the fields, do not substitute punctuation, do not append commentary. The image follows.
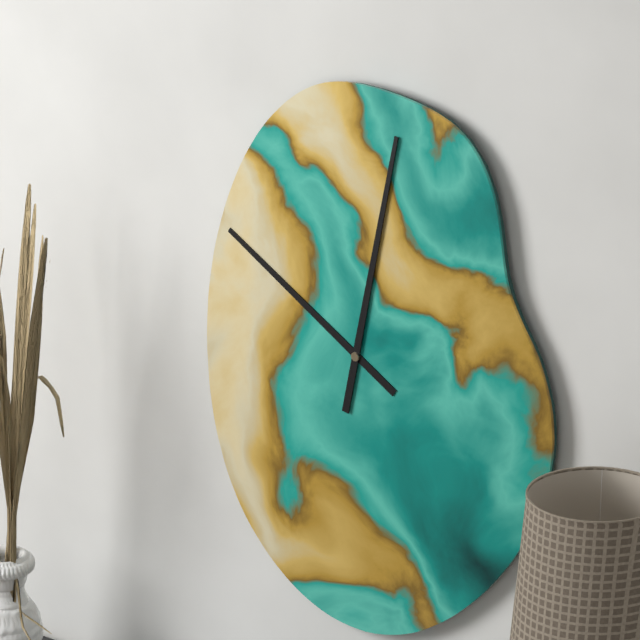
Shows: h=10 m=2
